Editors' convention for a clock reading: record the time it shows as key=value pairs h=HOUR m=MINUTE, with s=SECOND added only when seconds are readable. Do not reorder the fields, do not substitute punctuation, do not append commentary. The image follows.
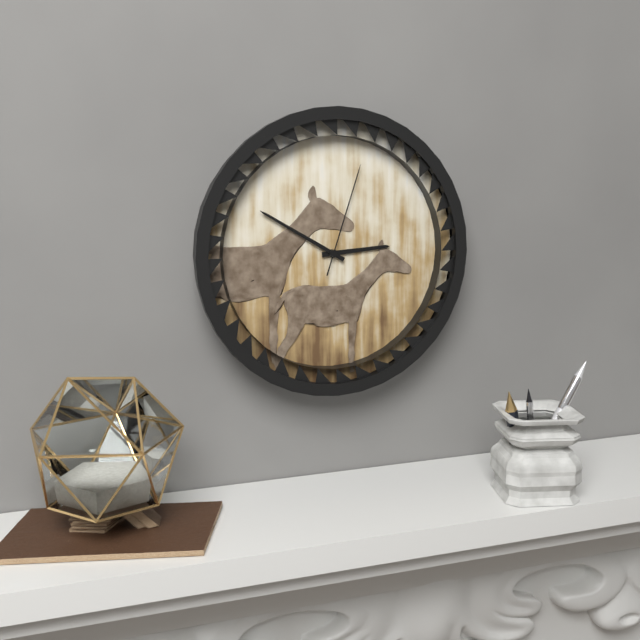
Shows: h=2 m=50 s=3
